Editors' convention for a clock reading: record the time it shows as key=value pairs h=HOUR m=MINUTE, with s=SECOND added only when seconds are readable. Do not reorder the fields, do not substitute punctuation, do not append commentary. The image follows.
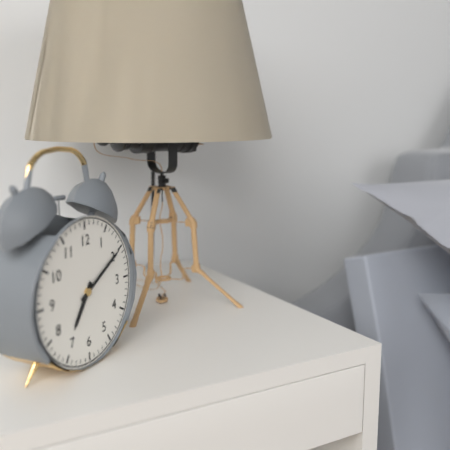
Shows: h=7 m=10
